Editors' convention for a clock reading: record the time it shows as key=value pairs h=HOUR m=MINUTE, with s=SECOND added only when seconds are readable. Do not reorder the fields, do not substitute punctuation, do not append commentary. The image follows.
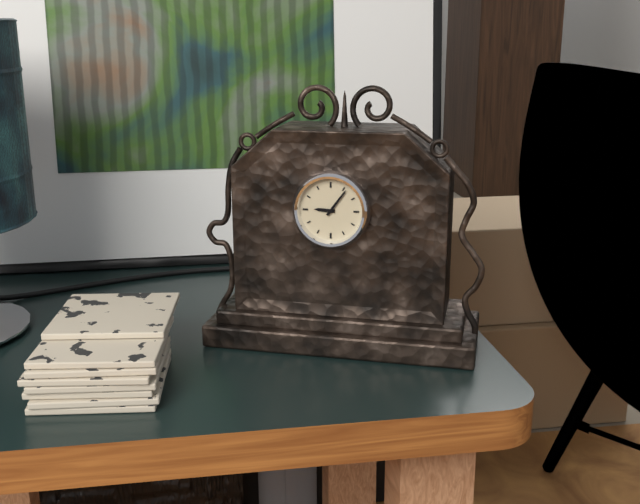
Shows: h=9 m=6
